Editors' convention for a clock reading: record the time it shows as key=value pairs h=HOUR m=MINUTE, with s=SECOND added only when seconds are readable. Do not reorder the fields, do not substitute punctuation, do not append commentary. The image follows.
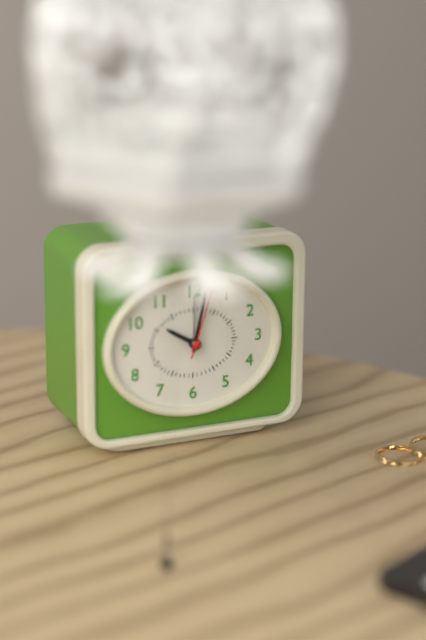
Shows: h=10 m=2 s=3
